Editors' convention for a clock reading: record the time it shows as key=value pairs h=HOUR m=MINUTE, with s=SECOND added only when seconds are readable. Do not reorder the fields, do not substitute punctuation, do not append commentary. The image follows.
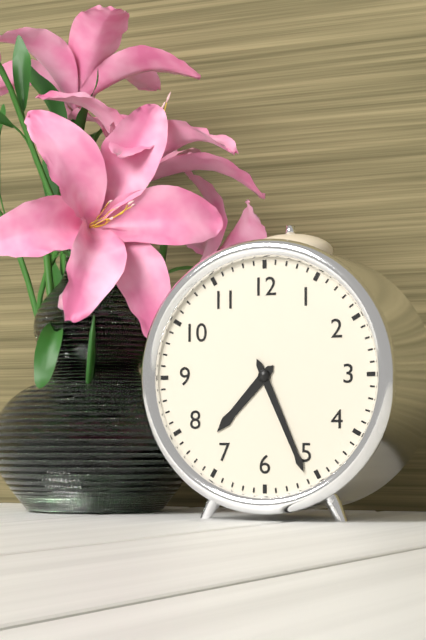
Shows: h=7 m=26
